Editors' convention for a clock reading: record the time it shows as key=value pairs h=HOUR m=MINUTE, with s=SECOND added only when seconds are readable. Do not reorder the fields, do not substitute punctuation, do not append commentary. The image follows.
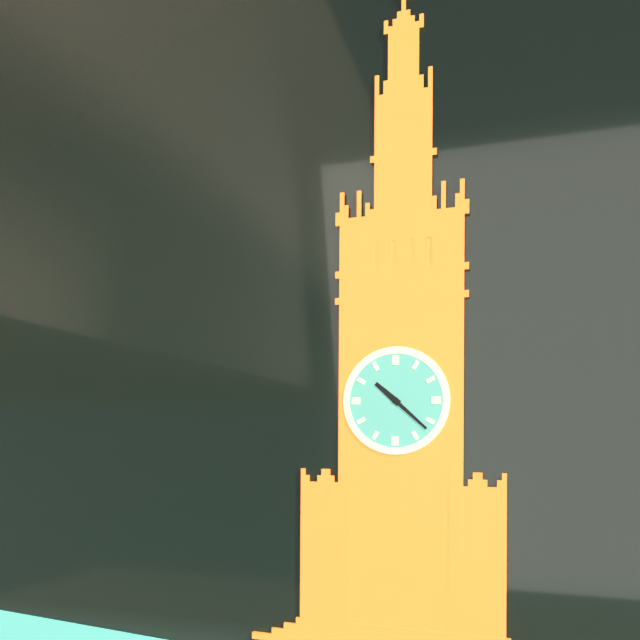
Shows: h=10 m=22
